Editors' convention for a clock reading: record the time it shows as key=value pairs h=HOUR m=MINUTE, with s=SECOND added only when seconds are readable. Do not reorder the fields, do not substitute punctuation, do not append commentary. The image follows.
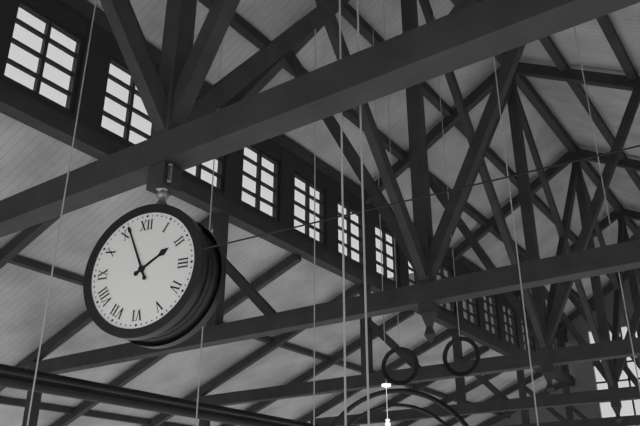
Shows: h=1 m=56
